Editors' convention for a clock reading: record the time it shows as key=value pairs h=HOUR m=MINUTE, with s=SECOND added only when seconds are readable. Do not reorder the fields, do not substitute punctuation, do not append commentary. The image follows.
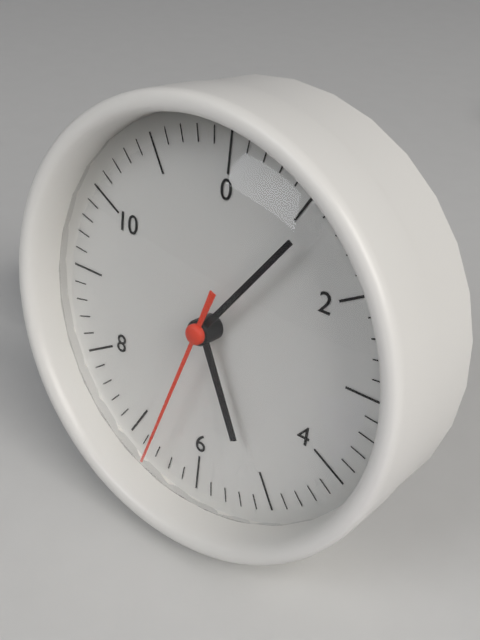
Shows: h=5 m=6 s=33
